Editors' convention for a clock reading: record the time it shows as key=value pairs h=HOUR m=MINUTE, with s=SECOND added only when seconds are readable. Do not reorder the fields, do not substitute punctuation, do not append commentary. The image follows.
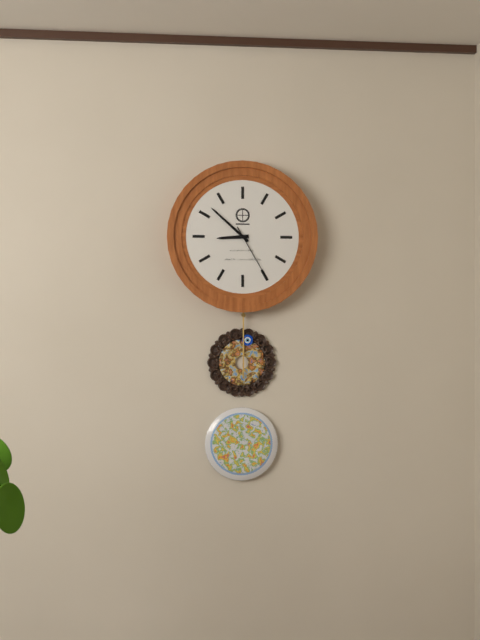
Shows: h=8 m=52 s=25
